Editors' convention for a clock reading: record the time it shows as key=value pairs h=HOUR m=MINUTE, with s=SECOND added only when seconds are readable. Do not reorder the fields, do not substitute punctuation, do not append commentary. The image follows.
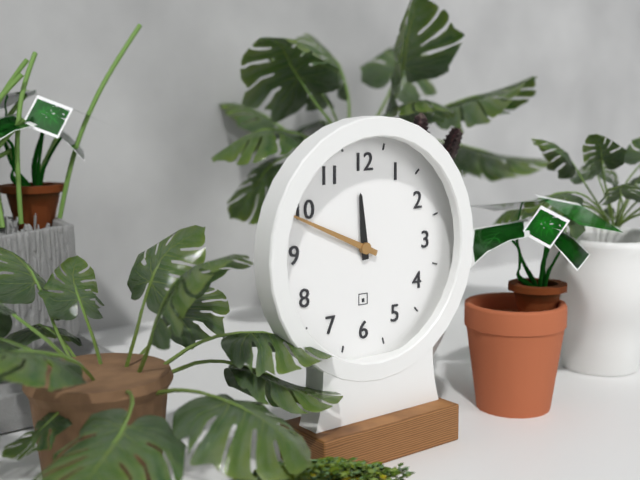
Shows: h=11 m=49
